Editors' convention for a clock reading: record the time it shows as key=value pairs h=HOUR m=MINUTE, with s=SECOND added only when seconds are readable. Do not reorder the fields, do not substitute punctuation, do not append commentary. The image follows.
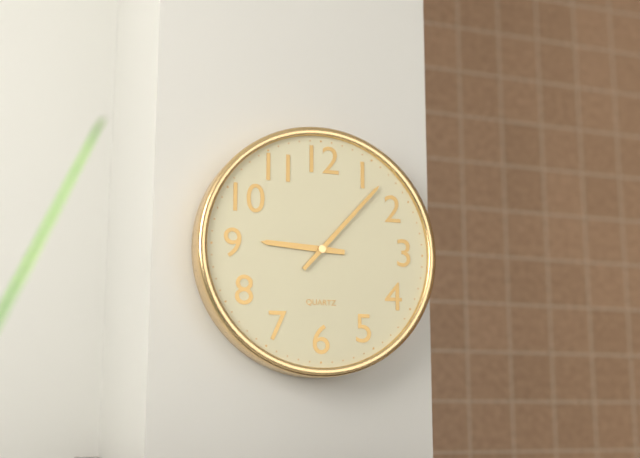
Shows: h=9 m=7
